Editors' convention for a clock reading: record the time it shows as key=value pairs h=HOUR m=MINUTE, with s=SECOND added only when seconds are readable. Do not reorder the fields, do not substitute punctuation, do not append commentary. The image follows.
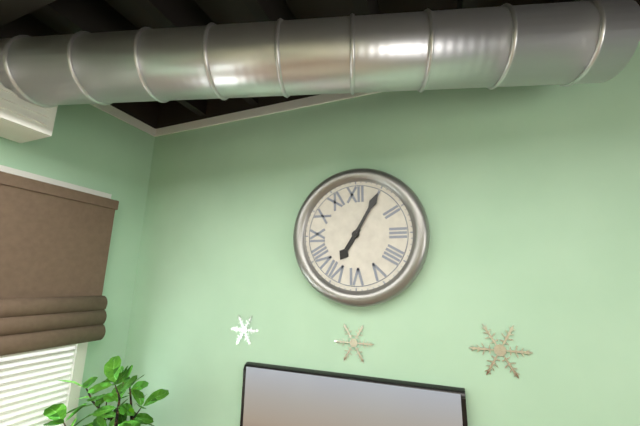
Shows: h=7 m=5
